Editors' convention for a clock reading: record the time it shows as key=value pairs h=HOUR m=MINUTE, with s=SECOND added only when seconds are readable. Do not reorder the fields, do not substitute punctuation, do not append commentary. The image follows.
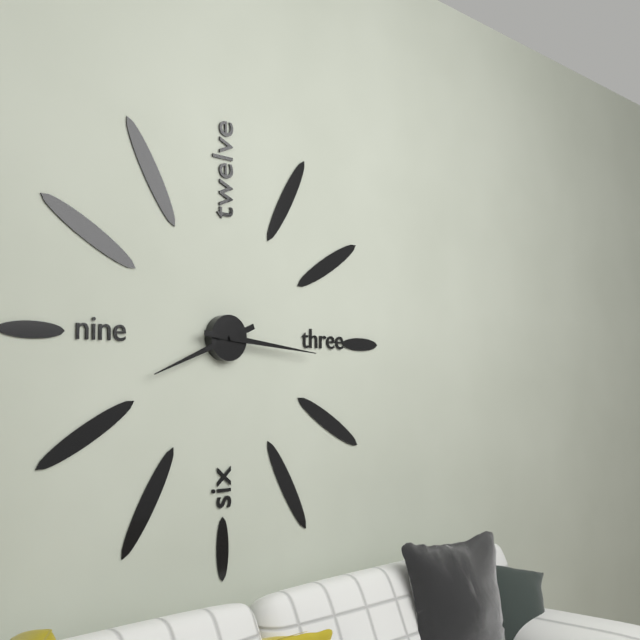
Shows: h=8 m=16
